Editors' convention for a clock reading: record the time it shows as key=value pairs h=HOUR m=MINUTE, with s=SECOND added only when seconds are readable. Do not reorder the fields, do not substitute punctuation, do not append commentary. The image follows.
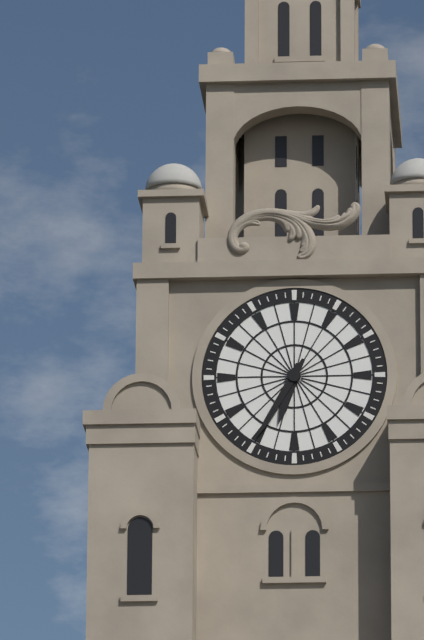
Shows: h=6 m=35
